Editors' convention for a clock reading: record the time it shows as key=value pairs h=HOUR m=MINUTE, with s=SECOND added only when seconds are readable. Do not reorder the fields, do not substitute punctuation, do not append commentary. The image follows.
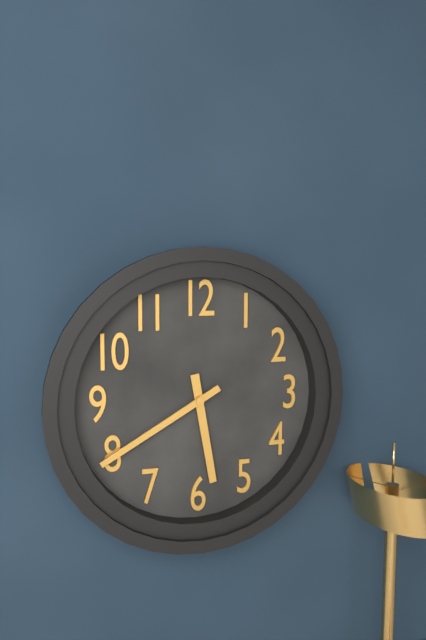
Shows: h=5 m=40
